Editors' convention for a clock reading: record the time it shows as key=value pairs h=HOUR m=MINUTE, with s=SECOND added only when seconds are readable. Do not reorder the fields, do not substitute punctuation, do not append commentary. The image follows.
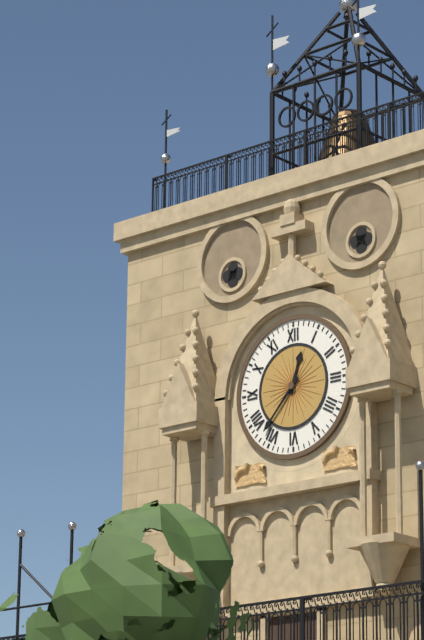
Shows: h=12 m=37
